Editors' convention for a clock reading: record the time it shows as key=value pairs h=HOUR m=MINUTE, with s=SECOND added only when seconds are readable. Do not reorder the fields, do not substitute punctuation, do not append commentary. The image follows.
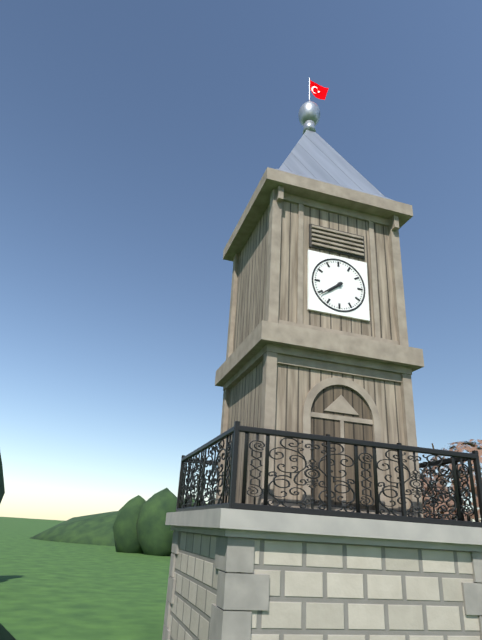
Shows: h=7 m=39
